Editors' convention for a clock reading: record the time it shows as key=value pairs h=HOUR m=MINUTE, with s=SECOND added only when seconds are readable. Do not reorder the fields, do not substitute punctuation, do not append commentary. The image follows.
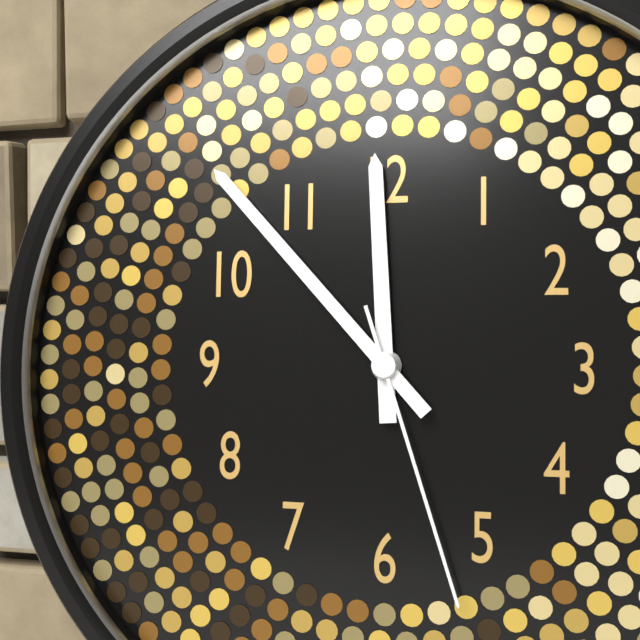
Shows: h=11 m=53 s=27
